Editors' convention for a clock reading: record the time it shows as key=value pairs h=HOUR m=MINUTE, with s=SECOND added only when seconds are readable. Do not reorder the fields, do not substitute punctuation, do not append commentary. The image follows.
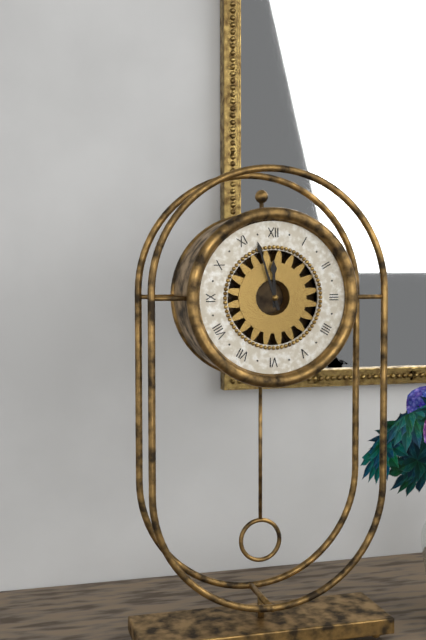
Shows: h=11 m=57
